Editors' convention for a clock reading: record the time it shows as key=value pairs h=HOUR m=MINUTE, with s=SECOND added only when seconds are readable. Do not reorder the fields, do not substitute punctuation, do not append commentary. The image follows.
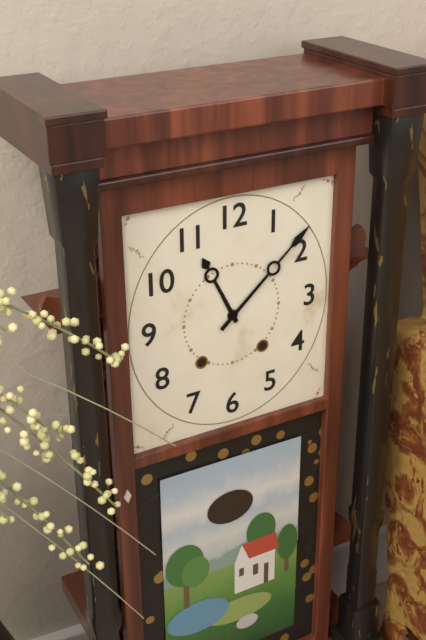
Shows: h=11 m=8
